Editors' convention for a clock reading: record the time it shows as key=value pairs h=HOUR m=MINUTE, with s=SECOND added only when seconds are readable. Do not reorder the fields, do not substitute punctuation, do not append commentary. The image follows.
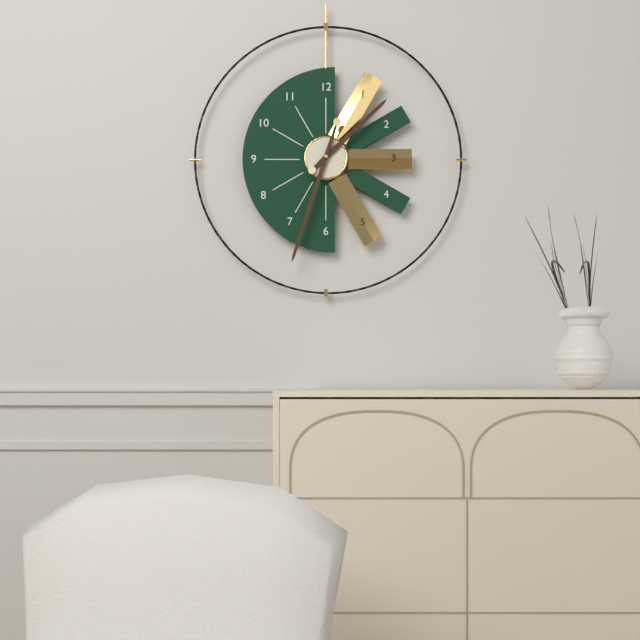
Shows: h=1 m=33
